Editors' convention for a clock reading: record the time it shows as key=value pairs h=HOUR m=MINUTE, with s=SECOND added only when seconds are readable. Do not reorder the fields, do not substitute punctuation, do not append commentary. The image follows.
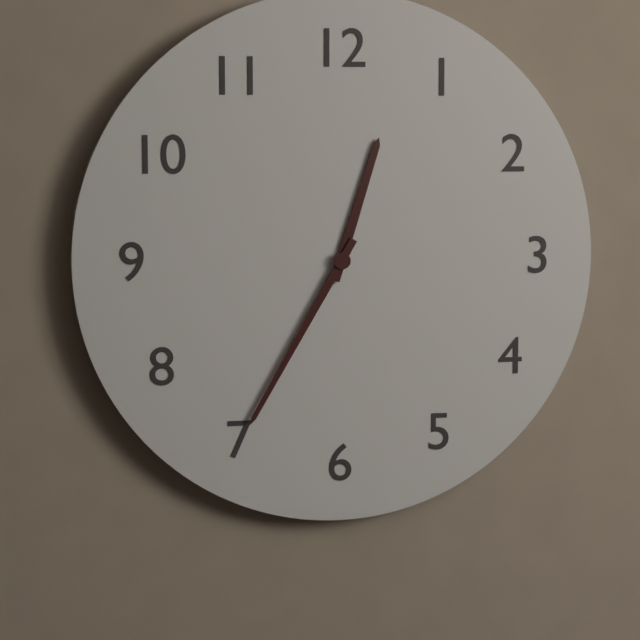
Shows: h=12 m=35
